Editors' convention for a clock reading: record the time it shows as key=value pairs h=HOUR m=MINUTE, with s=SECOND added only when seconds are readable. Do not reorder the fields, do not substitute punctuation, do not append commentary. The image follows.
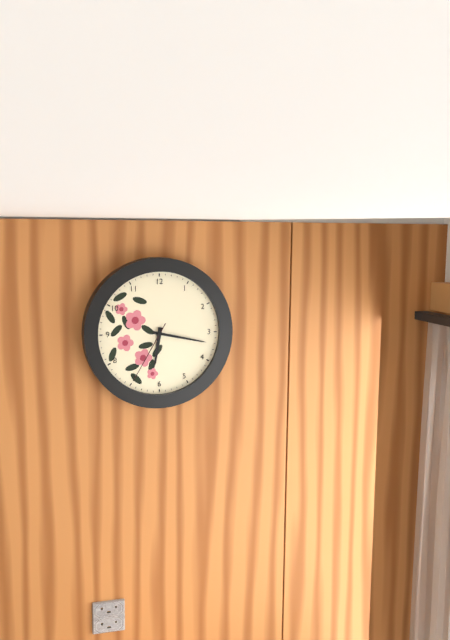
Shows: h=6 m=17 s=35
